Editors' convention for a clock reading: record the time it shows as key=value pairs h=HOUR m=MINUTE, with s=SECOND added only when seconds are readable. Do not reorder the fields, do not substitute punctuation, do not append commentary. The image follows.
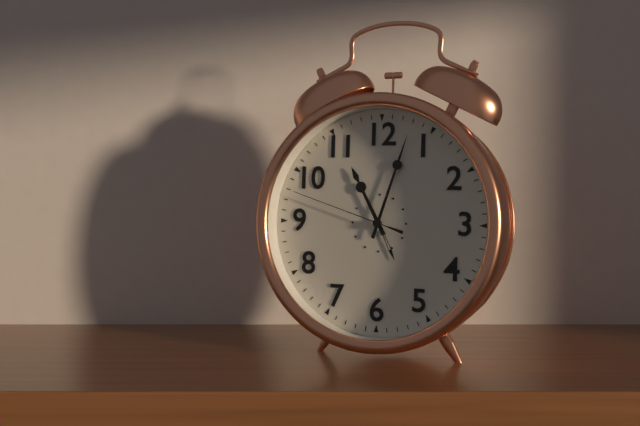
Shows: h=11 m=3 s=48
